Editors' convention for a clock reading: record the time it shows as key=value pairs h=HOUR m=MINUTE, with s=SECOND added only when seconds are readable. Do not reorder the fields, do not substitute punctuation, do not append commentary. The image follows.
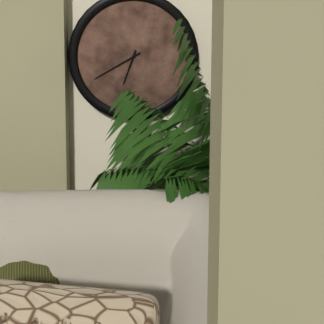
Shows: h=6 m=40
